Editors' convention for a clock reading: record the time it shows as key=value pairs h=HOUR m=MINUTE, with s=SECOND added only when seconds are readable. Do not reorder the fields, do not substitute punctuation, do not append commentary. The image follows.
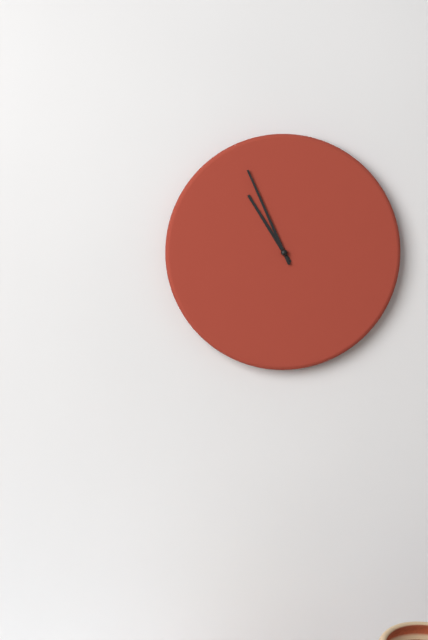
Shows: h=10 m=56
